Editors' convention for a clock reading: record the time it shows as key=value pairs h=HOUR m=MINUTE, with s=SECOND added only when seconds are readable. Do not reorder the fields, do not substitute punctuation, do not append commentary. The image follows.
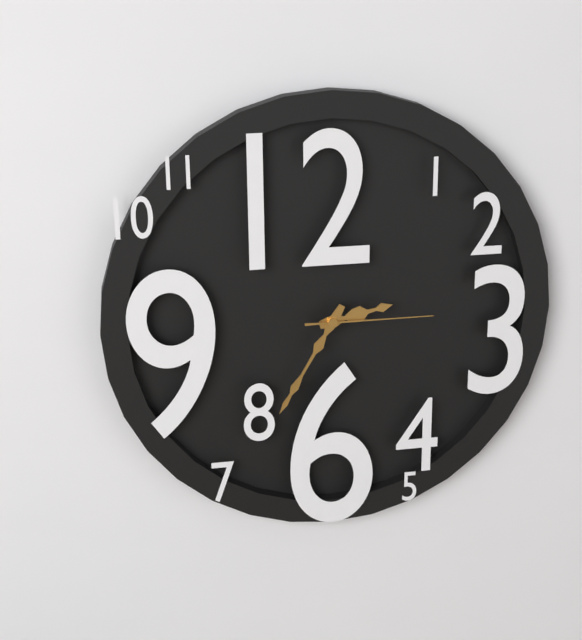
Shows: h=2 m=35 s=15
